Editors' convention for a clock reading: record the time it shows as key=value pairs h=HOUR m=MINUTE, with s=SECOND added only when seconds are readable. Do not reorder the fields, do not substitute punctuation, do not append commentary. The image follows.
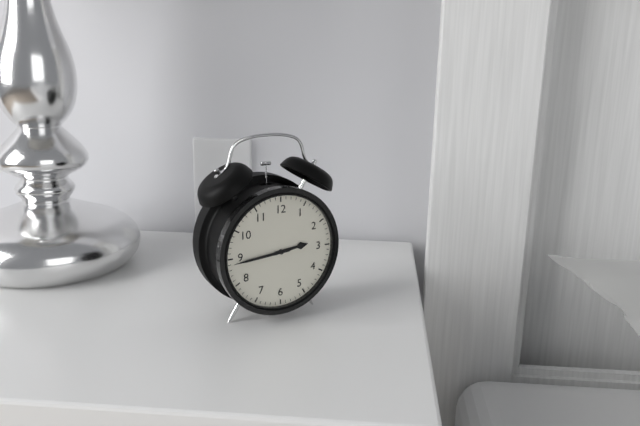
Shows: h=2 m=44
